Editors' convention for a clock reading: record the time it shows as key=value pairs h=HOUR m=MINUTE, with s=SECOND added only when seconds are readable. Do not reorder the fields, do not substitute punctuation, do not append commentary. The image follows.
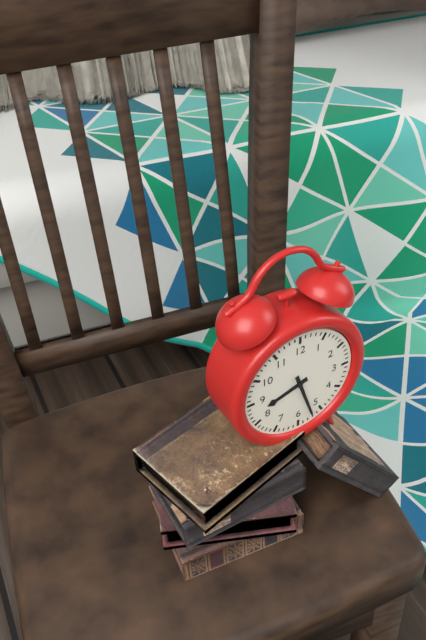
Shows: h=8 m=27
